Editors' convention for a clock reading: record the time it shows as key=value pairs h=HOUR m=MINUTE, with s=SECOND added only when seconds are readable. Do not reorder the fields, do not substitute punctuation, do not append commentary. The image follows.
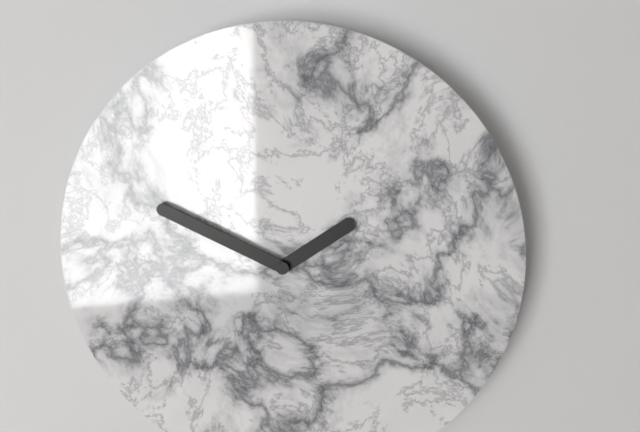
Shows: h=1 m=49
